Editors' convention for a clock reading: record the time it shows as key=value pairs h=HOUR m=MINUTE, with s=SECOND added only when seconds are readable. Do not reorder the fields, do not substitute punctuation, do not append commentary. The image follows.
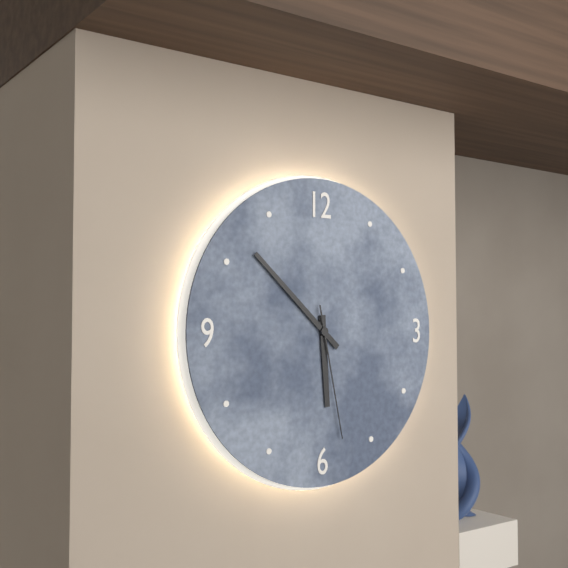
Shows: h=5 m=52 s=28
